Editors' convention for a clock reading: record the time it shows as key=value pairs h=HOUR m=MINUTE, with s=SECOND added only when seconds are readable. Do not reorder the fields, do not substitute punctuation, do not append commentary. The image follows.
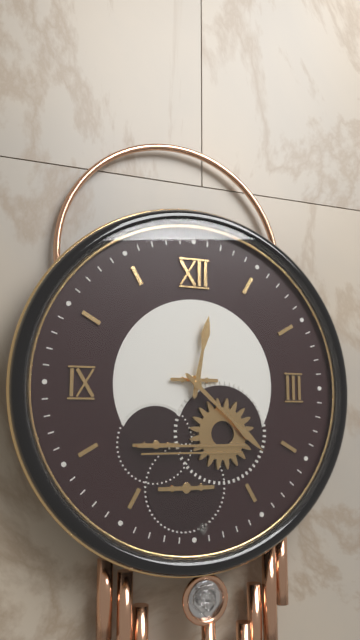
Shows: h=12 m=22
